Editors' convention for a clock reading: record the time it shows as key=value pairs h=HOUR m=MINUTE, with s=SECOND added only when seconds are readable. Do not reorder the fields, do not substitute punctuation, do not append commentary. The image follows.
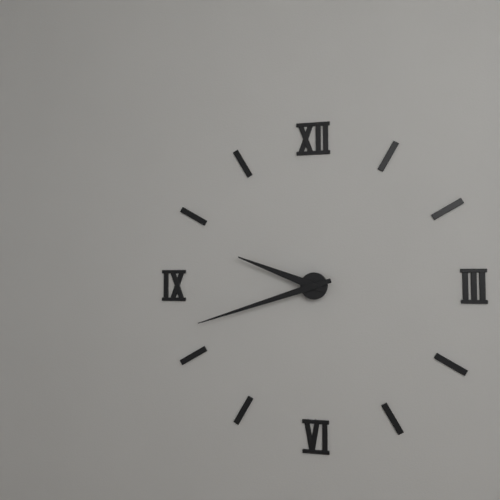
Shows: h=9 m=42
